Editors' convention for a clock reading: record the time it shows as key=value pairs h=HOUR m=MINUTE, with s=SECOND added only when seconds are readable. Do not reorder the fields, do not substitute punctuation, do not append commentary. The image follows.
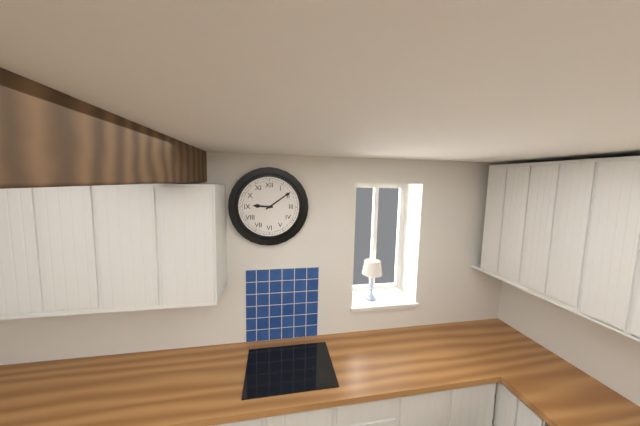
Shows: h=9 m=9
